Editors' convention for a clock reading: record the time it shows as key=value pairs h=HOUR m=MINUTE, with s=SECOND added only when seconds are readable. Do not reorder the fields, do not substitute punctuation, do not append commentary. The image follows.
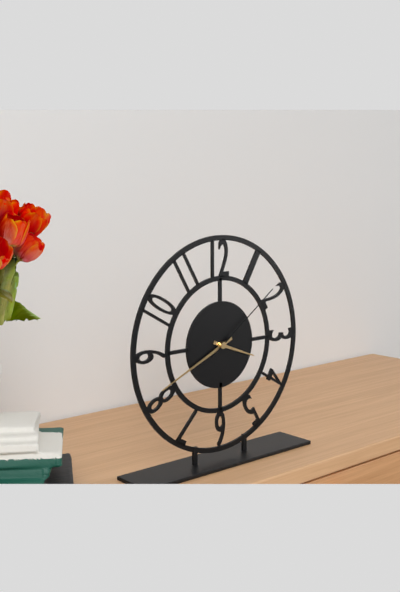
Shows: h=3 m=41 s=9
